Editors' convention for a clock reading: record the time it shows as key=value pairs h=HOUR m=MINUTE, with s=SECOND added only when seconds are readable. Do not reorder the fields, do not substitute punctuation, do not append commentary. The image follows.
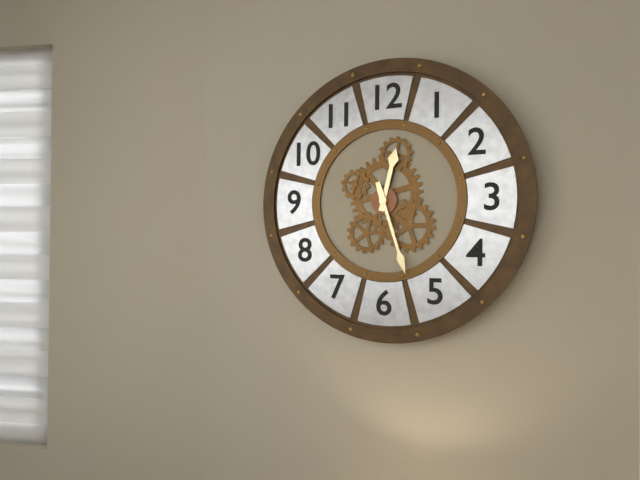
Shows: h=12 m=27
